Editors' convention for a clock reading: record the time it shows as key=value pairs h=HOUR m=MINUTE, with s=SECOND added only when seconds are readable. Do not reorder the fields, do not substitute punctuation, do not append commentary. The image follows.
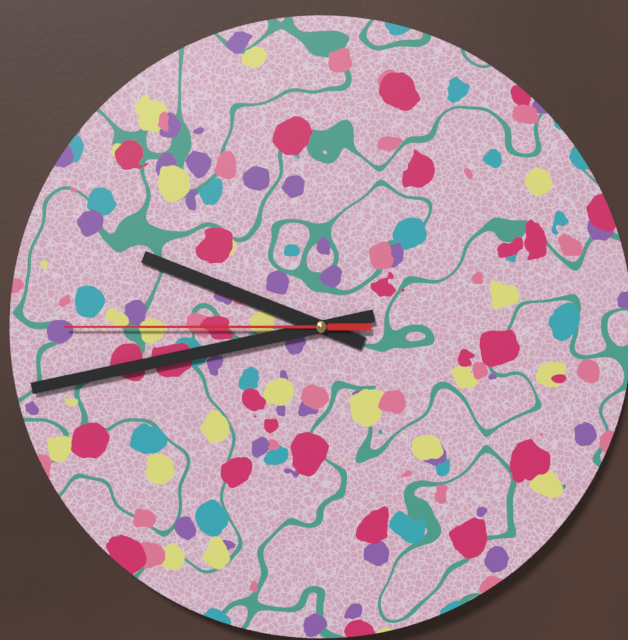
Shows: h=9 m=43 s=45
